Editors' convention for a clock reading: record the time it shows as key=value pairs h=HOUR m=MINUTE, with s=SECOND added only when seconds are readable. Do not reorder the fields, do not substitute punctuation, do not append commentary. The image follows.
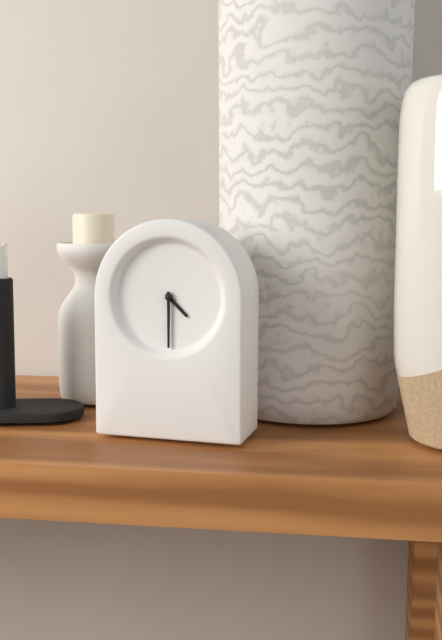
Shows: h=4 m=30
